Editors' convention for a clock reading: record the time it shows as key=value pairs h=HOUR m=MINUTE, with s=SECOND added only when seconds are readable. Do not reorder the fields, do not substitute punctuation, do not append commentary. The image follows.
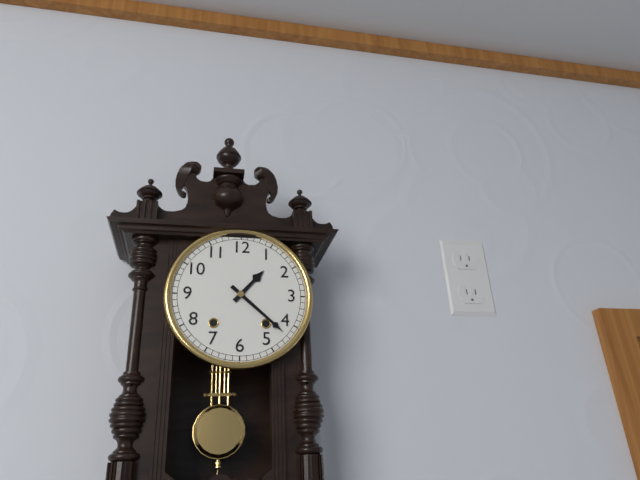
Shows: h=1 m=22
